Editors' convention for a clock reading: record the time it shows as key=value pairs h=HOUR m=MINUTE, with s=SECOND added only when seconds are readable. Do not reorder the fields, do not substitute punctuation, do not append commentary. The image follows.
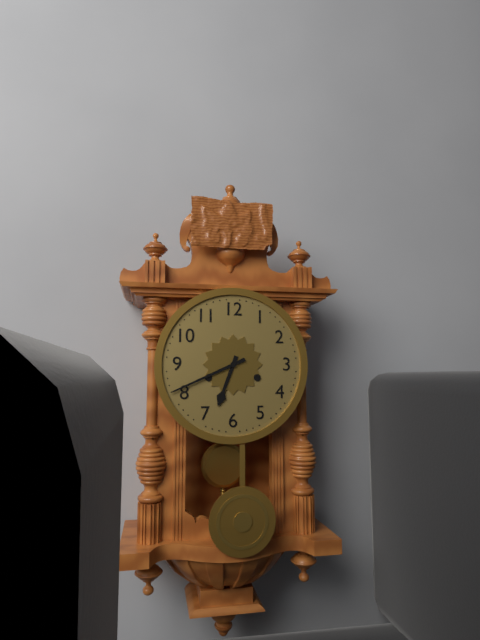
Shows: h=6 m=41
